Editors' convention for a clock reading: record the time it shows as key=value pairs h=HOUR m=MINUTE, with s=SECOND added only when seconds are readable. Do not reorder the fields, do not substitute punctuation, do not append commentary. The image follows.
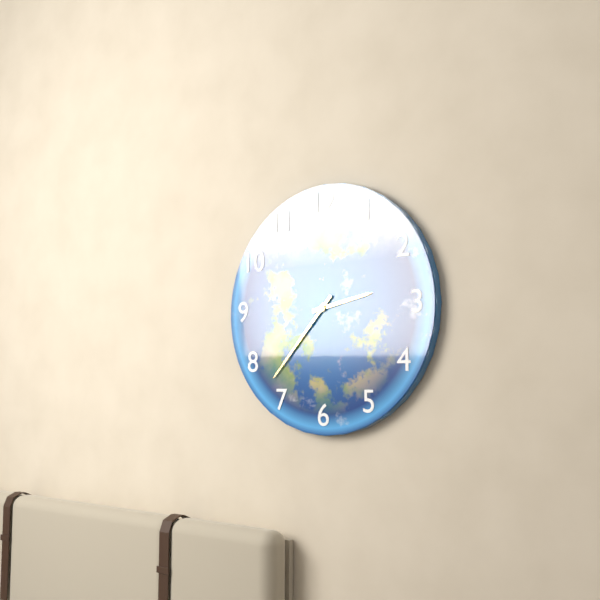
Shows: h=2 m=37
